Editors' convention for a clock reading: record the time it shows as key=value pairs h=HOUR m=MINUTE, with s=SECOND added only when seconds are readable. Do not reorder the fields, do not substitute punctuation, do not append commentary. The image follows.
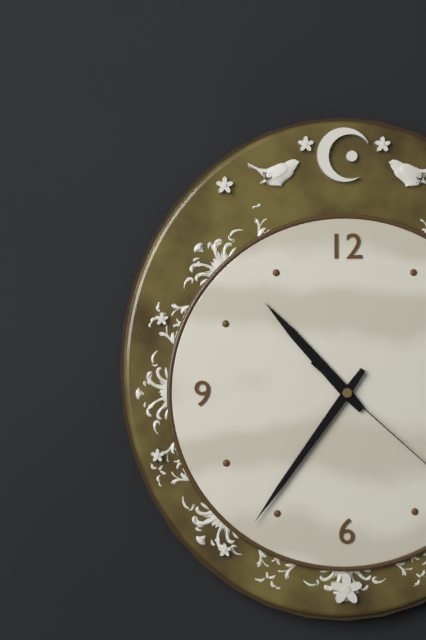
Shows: h=10 m=36
